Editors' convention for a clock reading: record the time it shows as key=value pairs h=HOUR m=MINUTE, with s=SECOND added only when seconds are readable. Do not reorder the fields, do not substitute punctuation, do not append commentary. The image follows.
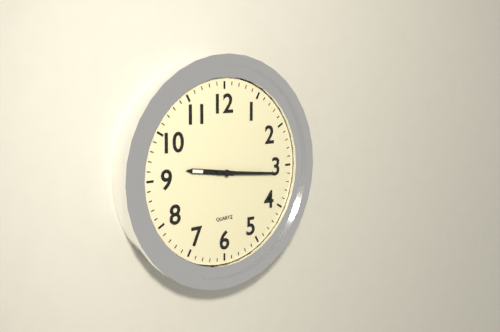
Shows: h=9 m=16
